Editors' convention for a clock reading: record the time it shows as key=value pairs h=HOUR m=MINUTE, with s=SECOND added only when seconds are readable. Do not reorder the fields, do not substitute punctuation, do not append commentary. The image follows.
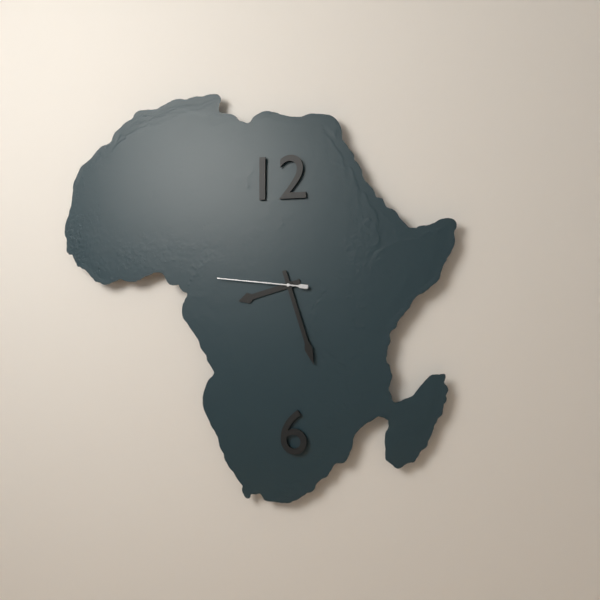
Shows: h=8 m=27 s=46
